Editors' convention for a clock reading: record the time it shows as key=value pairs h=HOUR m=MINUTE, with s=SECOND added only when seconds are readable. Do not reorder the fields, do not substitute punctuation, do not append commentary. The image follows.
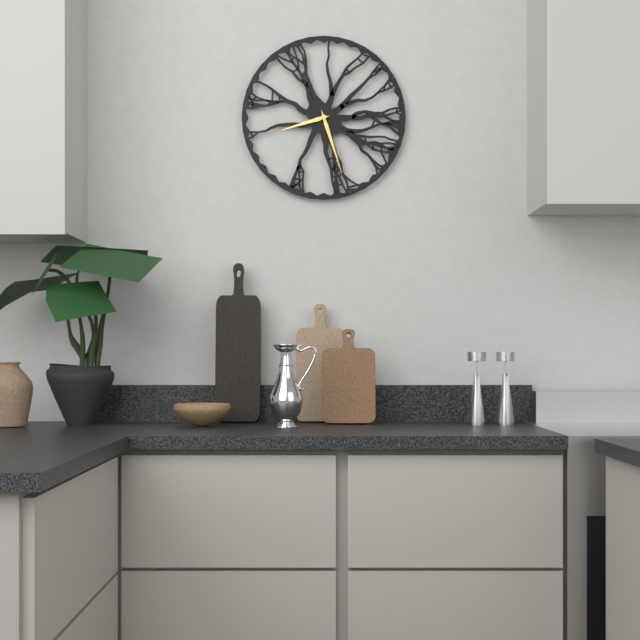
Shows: h=8 m=27
